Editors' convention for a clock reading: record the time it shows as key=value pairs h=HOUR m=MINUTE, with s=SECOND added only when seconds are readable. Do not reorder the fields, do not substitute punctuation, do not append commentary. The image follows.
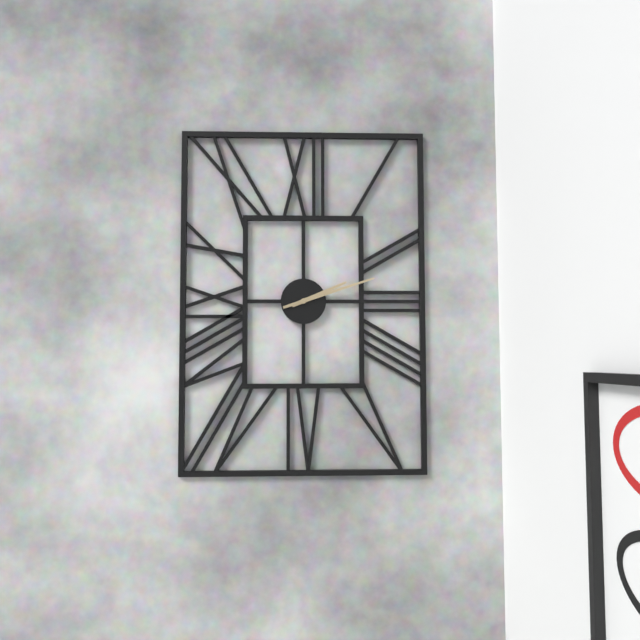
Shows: h=2 m=12
